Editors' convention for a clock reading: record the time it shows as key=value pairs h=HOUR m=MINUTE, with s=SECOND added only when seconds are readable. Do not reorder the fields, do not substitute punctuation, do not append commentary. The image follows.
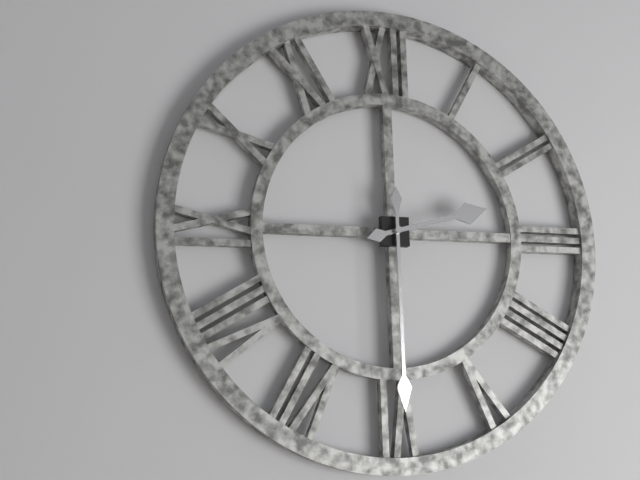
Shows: h=2 m=30
